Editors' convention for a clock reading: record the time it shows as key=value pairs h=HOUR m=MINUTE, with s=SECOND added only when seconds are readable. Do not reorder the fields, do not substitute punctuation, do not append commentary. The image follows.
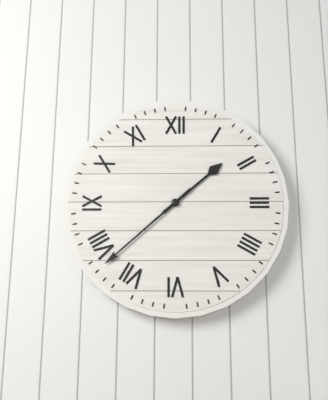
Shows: h=1 m=38
